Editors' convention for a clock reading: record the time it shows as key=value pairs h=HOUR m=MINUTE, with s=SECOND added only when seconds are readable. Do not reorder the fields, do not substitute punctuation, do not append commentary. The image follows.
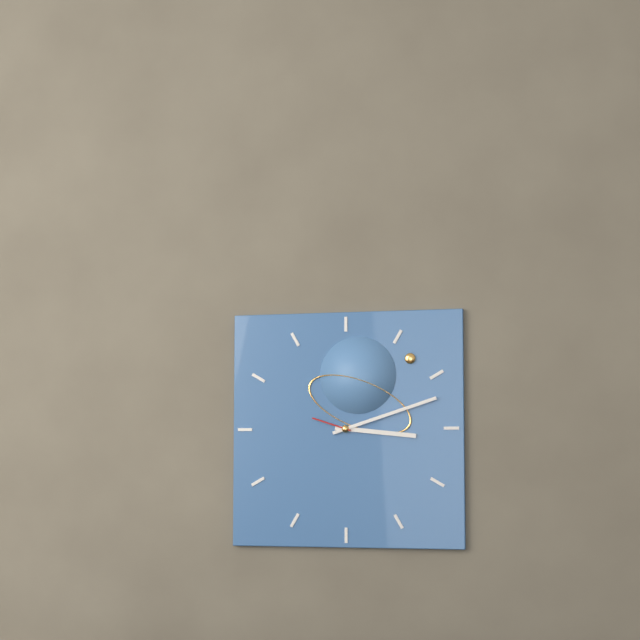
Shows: h=3 m=12
